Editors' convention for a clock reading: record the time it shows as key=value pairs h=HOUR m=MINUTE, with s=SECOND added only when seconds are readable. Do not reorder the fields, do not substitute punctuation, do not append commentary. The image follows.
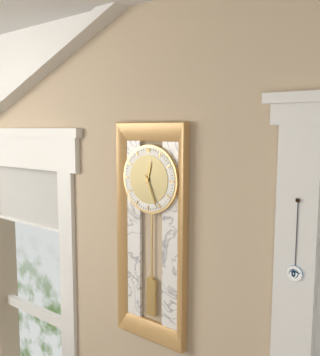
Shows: h=12 m=26
